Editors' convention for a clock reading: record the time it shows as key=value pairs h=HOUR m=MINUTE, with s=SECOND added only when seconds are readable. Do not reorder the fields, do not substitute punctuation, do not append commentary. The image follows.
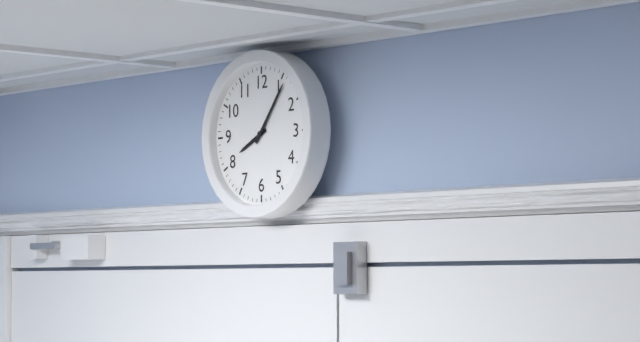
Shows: h=8 m=6
